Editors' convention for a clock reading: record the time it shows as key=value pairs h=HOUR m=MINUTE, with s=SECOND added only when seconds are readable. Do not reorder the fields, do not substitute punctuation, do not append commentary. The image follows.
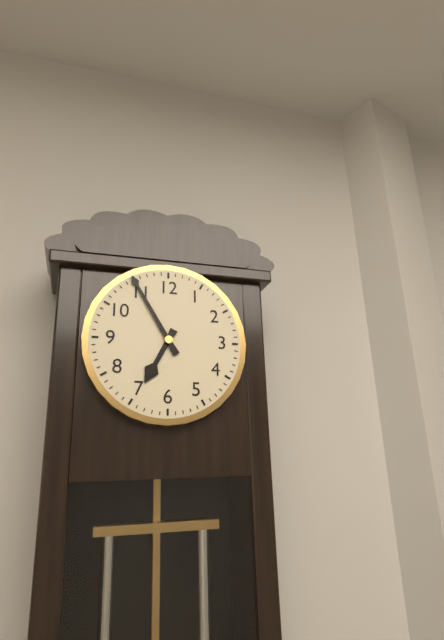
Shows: h=6 m=55
